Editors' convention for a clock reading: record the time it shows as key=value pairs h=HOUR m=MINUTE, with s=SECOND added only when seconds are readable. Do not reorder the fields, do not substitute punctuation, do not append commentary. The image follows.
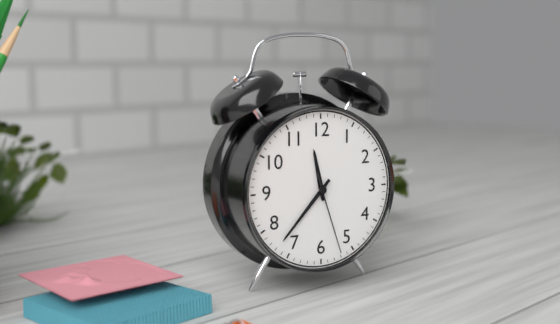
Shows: h=11 m=37 s=27
